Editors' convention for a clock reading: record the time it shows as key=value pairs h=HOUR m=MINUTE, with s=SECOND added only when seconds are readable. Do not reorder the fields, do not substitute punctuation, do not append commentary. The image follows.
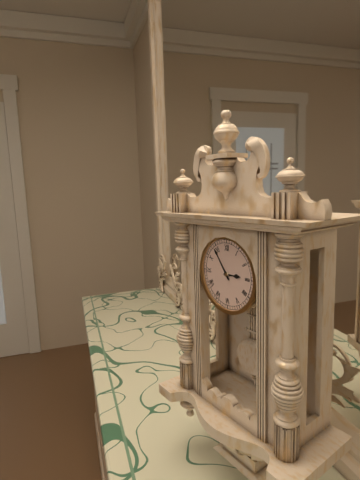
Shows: h=2 m=54
